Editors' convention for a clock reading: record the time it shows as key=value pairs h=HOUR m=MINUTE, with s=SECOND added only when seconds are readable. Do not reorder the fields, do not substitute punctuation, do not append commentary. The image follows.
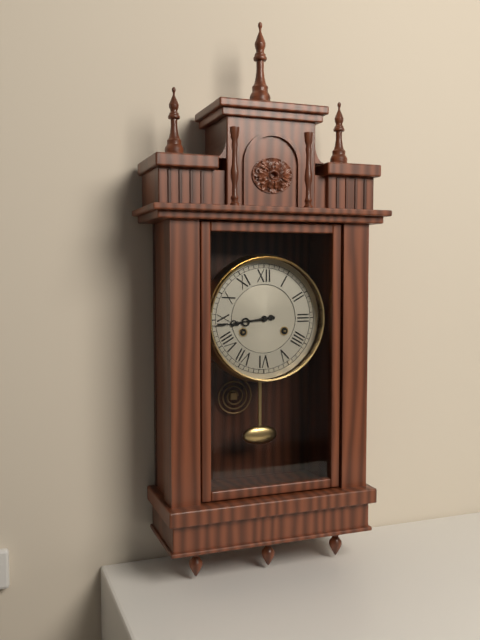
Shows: h=8 m=44
